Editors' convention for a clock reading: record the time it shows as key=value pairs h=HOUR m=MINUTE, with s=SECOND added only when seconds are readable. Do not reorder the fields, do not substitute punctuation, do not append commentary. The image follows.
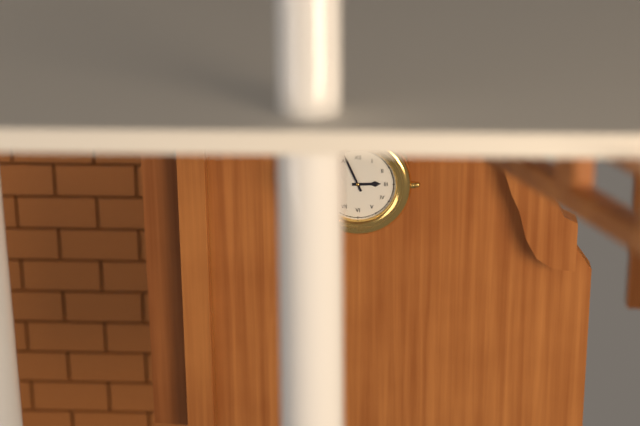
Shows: h=2 m=56
